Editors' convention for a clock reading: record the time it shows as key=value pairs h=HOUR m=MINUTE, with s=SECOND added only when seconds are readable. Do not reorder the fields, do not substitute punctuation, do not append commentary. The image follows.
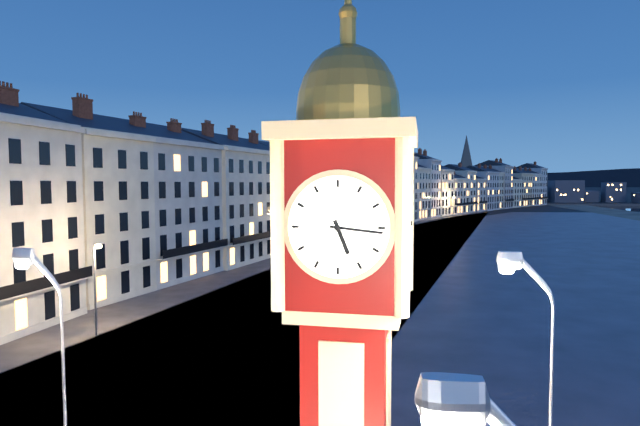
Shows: h=5 m=16
